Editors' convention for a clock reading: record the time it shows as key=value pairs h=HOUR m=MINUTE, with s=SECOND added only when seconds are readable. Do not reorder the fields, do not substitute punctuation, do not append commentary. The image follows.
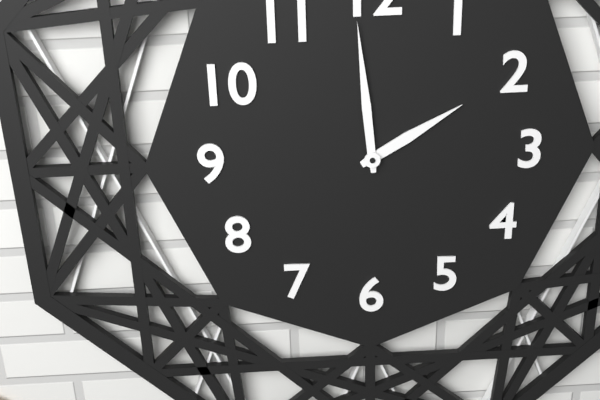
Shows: h=1 m=59
